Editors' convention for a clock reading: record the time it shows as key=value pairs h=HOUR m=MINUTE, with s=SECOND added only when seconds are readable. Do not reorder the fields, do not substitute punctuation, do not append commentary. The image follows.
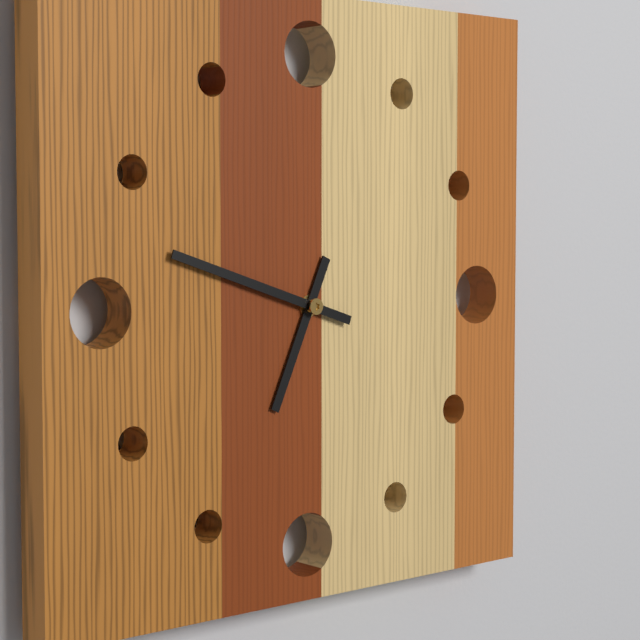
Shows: h=6 m=48
